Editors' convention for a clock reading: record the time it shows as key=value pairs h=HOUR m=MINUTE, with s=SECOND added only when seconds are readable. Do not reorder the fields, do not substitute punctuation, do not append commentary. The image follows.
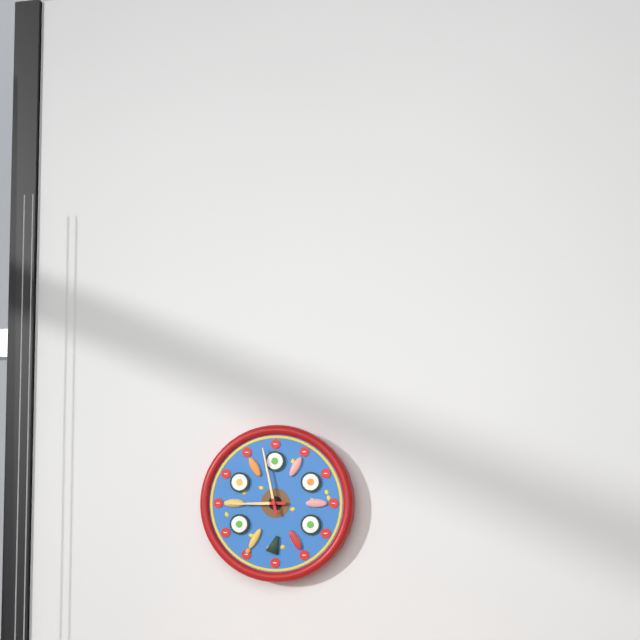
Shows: h=8 m=58
